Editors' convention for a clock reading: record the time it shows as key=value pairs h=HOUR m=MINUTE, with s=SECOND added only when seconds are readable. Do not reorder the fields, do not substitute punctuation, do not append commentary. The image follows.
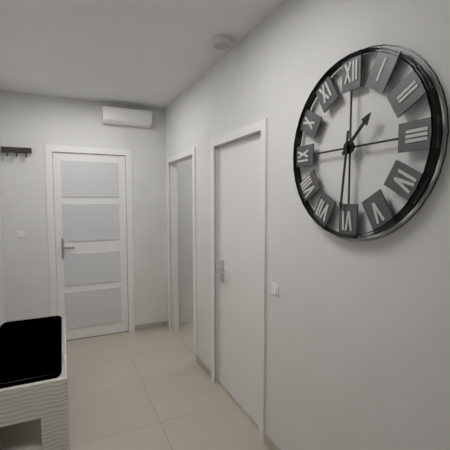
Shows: h=1 m=31
